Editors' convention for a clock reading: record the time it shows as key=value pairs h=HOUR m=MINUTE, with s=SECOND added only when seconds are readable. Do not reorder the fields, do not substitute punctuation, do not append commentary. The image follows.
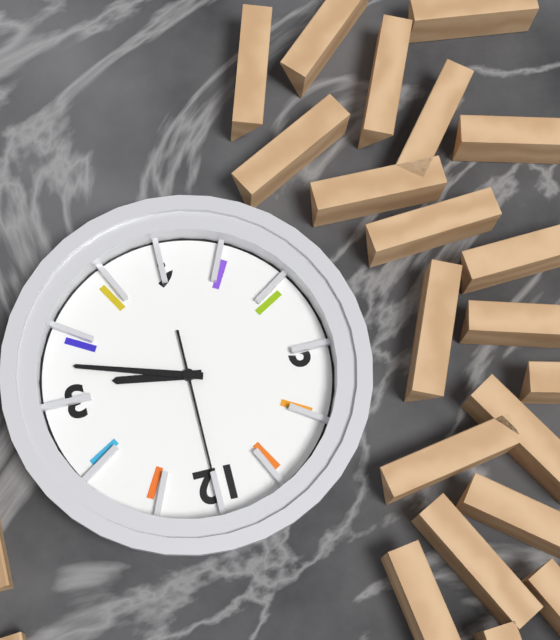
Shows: h=3 m=18 s=0
